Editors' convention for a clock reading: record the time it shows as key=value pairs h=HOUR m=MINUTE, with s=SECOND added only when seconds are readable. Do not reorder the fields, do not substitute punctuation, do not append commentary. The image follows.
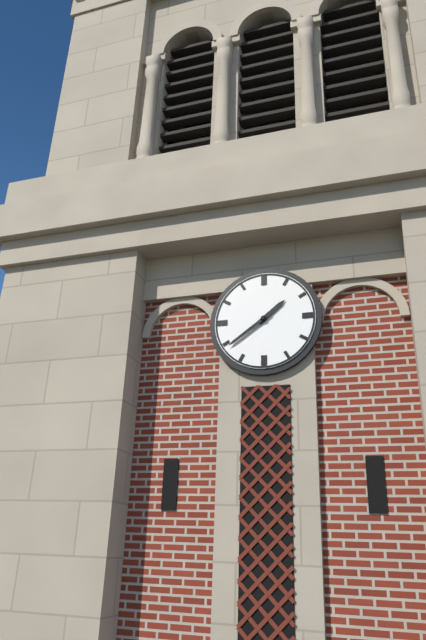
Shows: h=1 m=39
